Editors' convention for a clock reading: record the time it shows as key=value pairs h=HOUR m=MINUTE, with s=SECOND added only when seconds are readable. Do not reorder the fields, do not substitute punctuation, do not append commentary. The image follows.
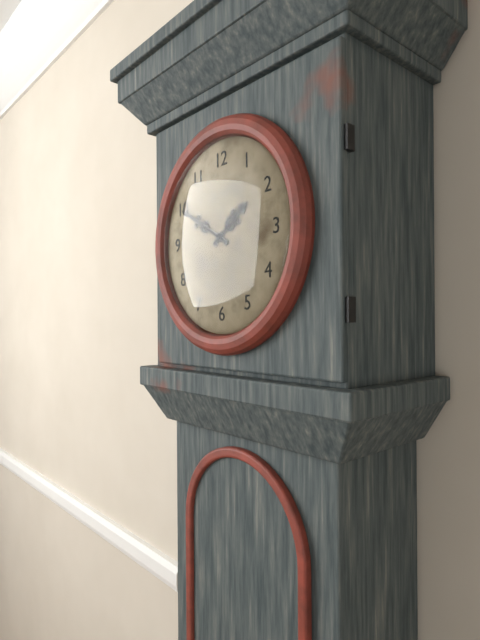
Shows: h=1 m=50
